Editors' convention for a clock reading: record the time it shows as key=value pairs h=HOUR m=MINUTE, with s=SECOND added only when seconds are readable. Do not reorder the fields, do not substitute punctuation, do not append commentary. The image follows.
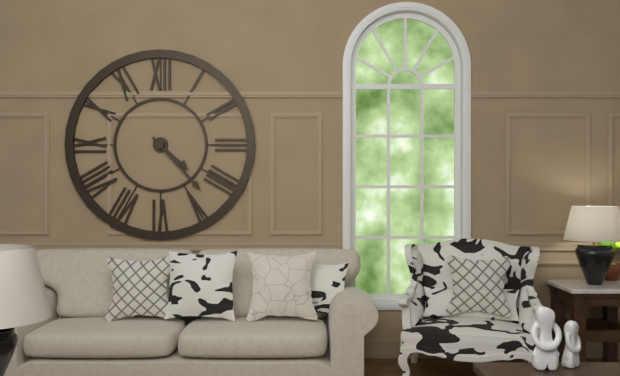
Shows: h=4 m=23
